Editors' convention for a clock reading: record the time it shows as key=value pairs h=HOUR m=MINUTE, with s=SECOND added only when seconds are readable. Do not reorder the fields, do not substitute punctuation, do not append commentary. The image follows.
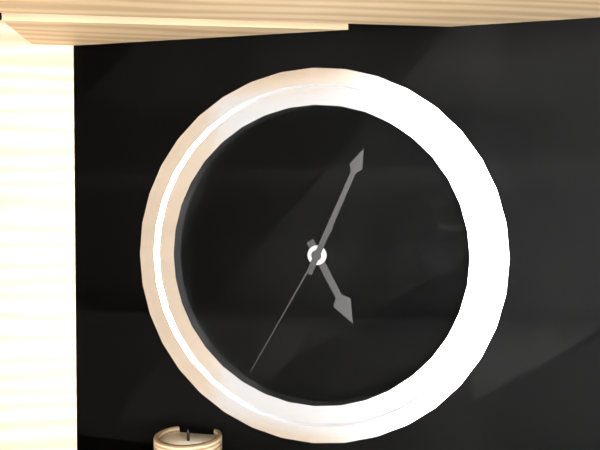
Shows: h=5 m=4 s=35
